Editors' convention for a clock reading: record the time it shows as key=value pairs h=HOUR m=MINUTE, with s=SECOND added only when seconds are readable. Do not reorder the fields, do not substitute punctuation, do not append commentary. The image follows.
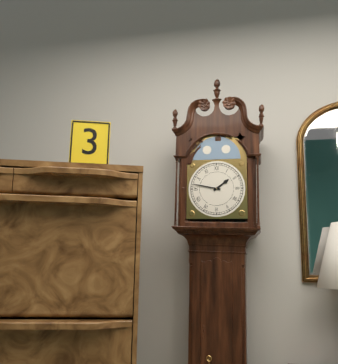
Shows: h=1 m=47
